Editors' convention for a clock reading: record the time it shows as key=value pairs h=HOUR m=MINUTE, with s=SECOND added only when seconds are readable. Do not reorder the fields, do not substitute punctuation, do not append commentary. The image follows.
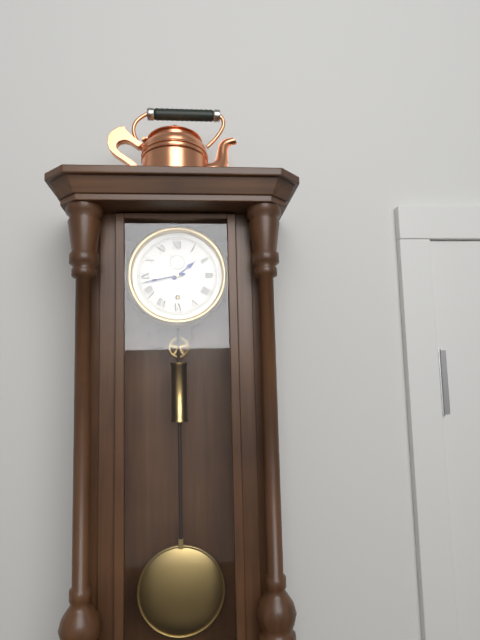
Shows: h=1 m=43
